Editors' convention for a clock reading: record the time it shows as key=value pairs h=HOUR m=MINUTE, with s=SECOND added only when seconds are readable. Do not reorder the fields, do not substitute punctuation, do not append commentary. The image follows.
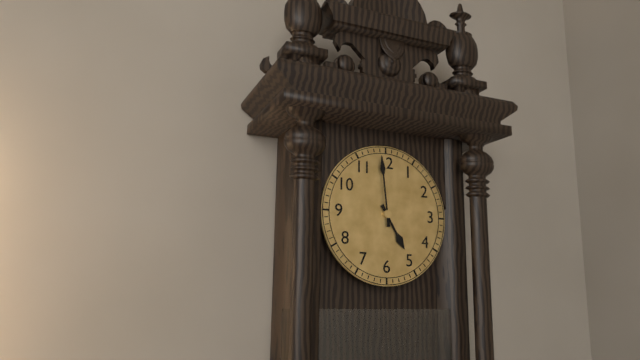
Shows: h=4 m=59
